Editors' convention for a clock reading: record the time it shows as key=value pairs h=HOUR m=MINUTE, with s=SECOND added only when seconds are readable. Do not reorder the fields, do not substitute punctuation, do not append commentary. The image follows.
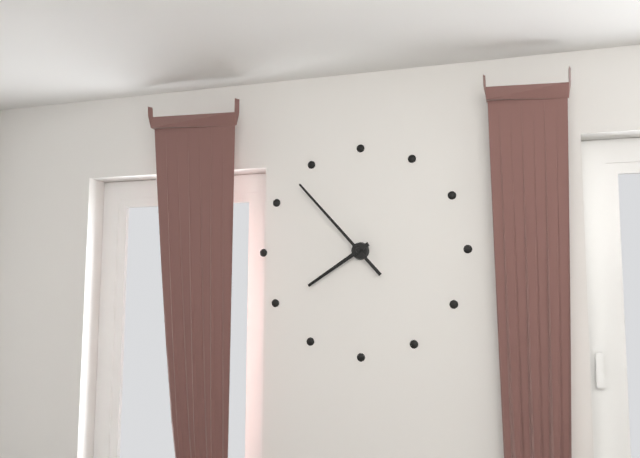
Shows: h=7 m=53
